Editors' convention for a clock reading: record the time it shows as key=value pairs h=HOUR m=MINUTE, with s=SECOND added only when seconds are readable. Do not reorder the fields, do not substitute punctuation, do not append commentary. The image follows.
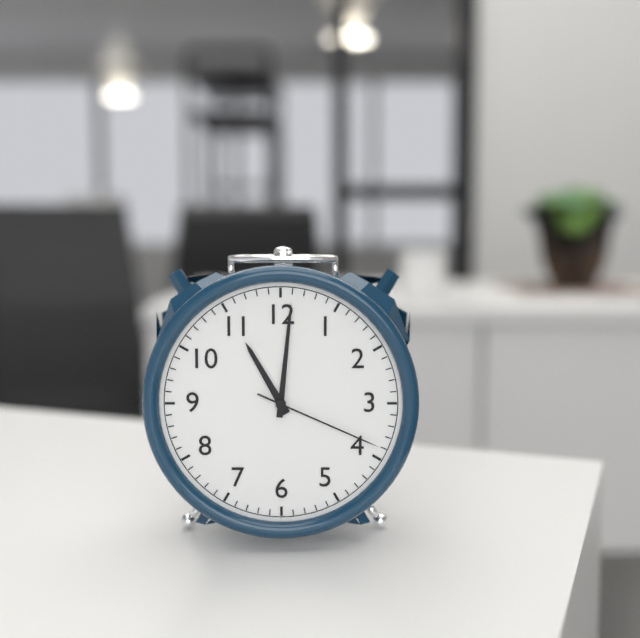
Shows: h=11 m=1 s=19
